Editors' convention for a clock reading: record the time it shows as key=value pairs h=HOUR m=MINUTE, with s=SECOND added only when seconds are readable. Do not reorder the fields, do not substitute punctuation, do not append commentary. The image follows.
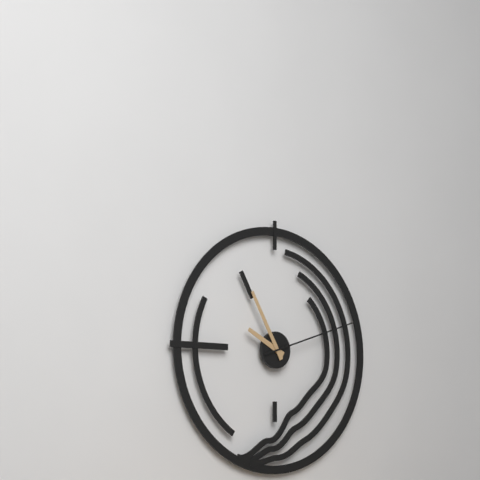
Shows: h=9 m=55 s=12
